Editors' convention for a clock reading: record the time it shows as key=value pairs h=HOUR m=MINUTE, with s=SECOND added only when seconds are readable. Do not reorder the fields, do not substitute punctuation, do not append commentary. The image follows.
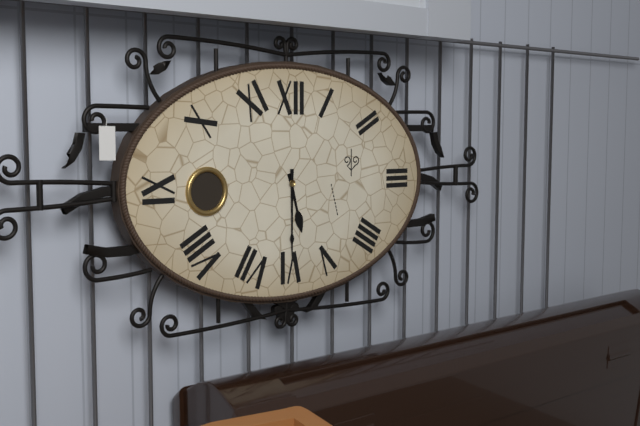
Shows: h=5 m=30
